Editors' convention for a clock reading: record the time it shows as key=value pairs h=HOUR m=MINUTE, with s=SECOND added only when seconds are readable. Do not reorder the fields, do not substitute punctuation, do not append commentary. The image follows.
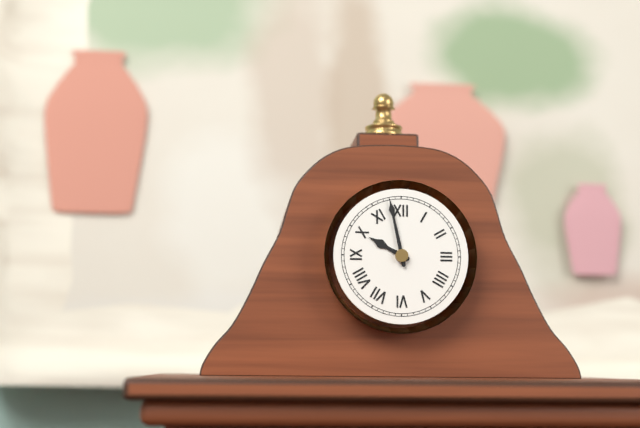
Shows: h=9 m=58
